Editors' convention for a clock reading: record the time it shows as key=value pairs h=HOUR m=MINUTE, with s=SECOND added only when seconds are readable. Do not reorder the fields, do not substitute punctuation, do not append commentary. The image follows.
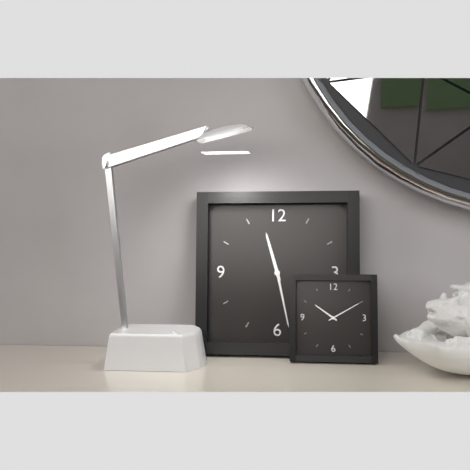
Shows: h=11 m=28
